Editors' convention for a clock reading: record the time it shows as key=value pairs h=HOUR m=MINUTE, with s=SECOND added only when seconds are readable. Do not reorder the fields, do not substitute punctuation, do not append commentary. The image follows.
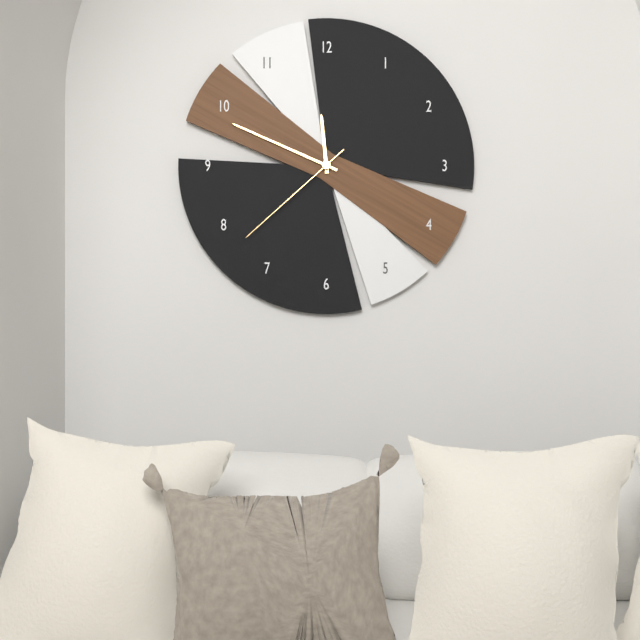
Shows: h=11 m=49 s=38
